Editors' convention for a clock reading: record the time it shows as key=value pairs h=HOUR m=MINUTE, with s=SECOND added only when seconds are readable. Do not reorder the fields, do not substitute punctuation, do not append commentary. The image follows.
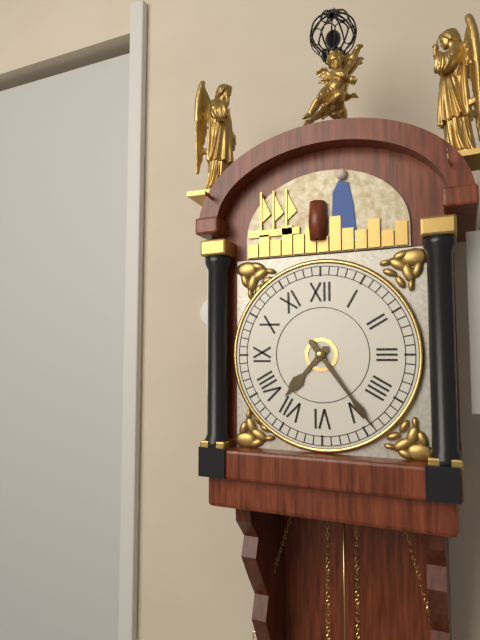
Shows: h=7 m=24
